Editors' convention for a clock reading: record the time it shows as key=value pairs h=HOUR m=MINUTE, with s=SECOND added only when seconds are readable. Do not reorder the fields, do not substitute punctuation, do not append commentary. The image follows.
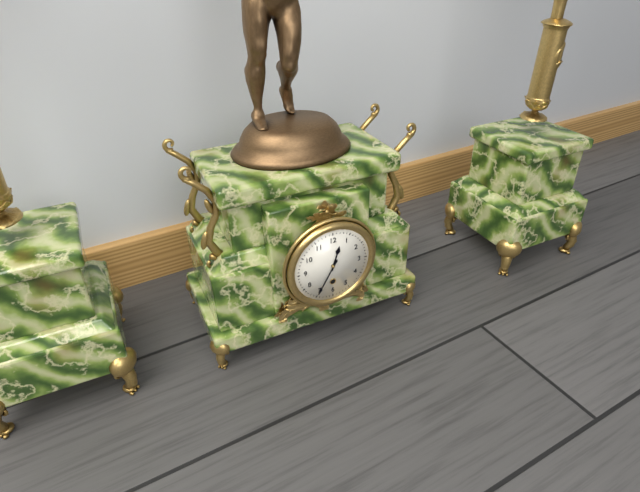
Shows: h=12 m=35
